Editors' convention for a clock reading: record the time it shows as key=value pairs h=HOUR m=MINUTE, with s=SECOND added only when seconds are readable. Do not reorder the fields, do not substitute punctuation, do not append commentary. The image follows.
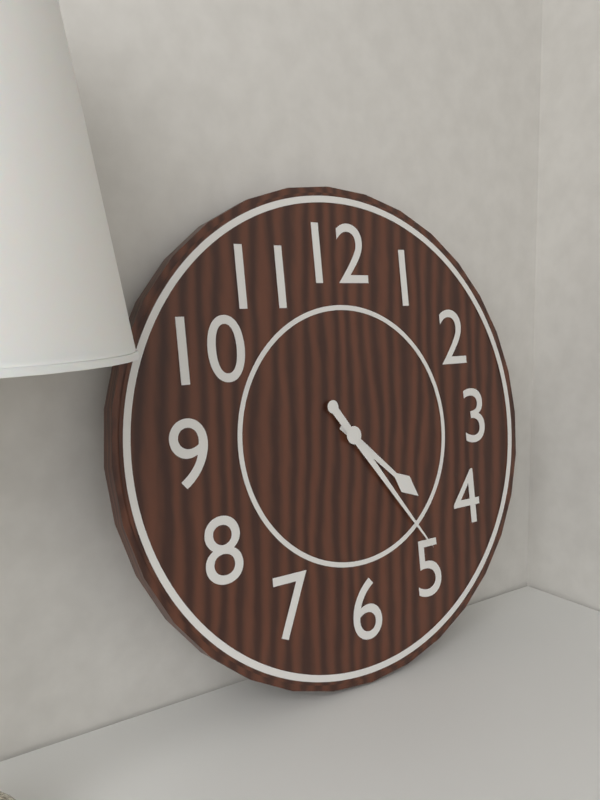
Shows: h=4 m=24
